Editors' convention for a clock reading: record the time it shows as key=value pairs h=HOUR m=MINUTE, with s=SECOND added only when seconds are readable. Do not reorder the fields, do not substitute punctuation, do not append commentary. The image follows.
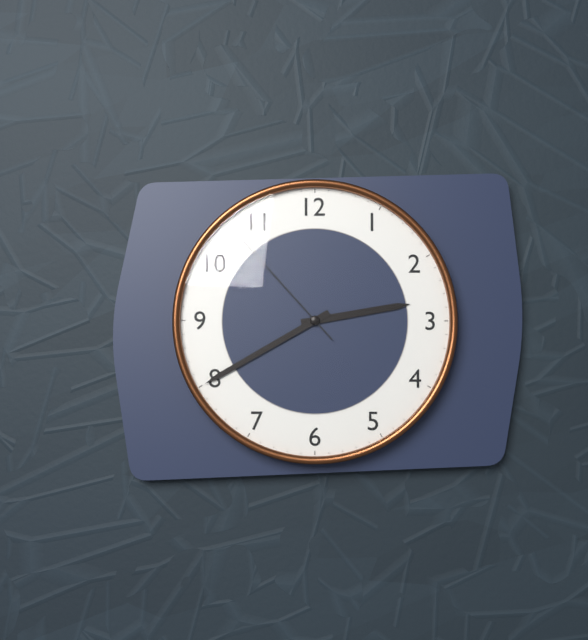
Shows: h=2 m=40 s=53
